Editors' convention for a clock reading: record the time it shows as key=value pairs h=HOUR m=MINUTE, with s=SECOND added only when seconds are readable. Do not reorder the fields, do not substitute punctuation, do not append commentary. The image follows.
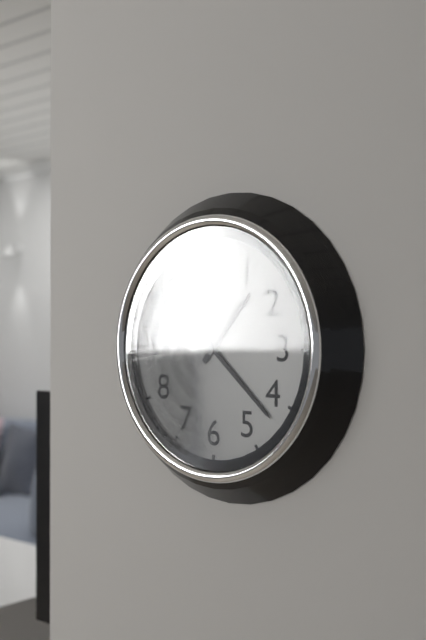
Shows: h=1 m=22
